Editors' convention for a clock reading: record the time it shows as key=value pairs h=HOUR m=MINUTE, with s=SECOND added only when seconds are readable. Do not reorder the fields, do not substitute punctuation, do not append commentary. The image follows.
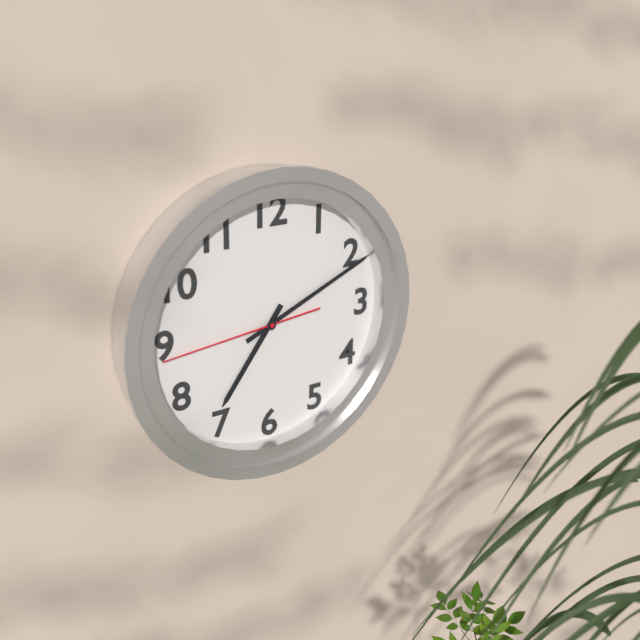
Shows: h=7 m=11 s=44
